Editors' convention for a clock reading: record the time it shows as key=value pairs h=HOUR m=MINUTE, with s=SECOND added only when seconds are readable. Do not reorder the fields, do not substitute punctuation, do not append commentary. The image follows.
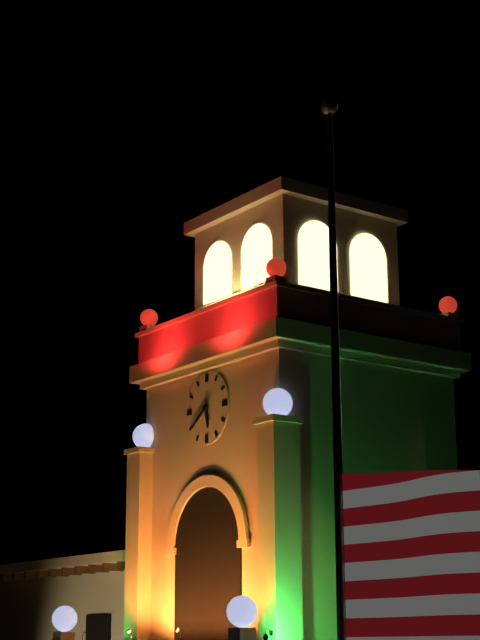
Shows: h=5 m=39
